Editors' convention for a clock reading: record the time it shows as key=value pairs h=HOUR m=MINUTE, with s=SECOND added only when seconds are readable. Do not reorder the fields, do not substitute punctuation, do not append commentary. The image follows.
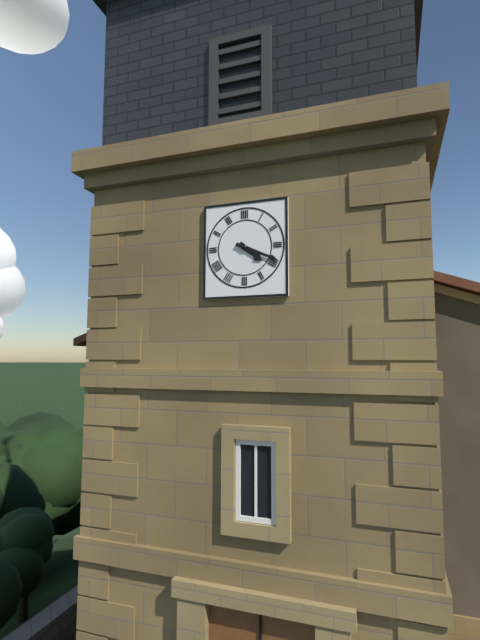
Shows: h=4 m=19
